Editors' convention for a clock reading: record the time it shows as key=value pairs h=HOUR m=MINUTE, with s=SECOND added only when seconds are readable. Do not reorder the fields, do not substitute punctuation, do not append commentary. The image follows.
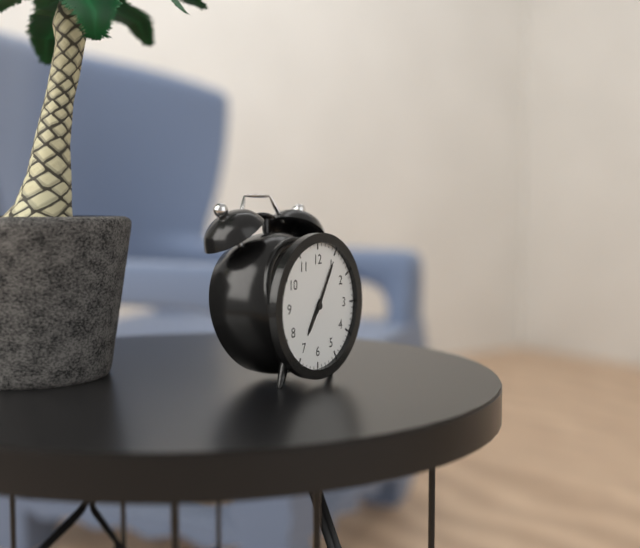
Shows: h=7 m=5
